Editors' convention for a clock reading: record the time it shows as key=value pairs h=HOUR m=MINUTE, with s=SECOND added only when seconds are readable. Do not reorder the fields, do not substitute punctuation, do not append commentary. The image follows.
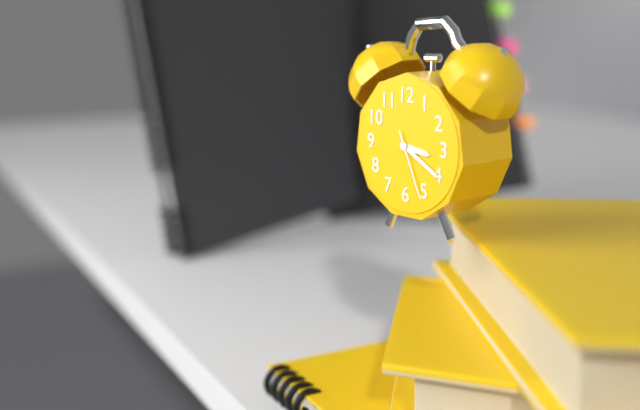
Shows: h=3 m=20 s=26
